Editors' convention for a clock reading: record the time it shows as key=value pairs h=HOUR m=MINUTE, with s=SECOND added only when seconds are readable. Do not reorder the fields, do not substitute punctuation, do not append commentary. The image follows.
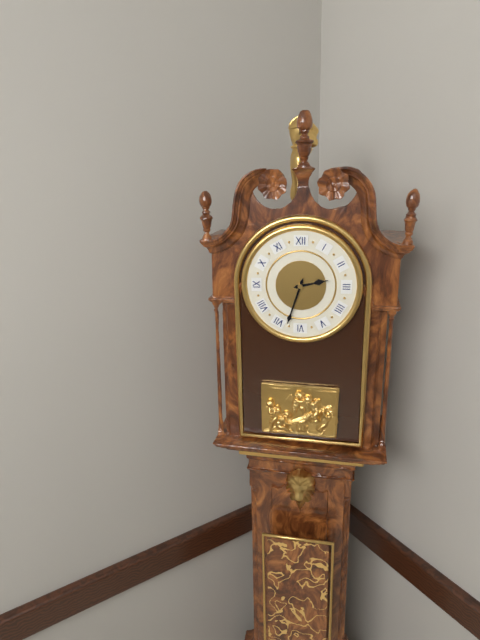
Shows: h=2 m=33
